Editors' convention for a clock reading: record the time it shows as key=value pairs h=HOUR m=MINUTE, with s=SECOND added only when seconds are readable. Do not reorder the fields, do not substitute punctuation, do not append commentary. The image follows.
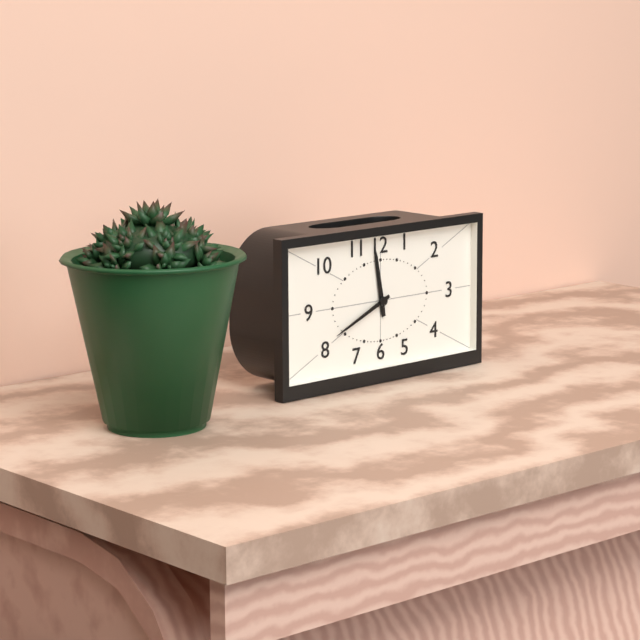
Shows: h=11 m=41
